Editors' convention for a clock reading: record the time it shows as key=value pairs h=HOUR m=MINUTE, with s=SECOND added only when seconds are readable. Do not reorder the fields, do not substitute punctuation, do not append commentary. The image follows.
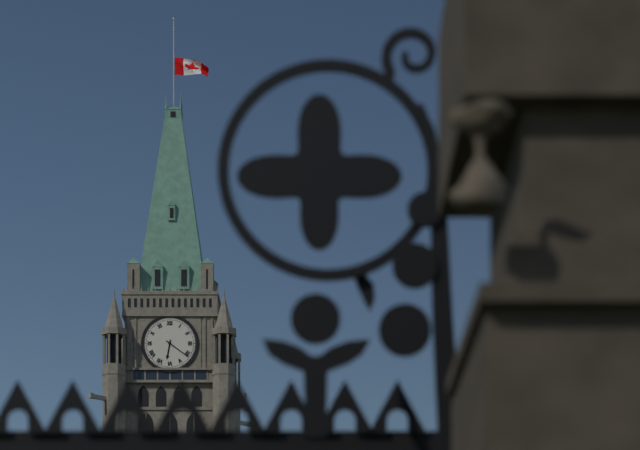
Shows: h=6 m=21
